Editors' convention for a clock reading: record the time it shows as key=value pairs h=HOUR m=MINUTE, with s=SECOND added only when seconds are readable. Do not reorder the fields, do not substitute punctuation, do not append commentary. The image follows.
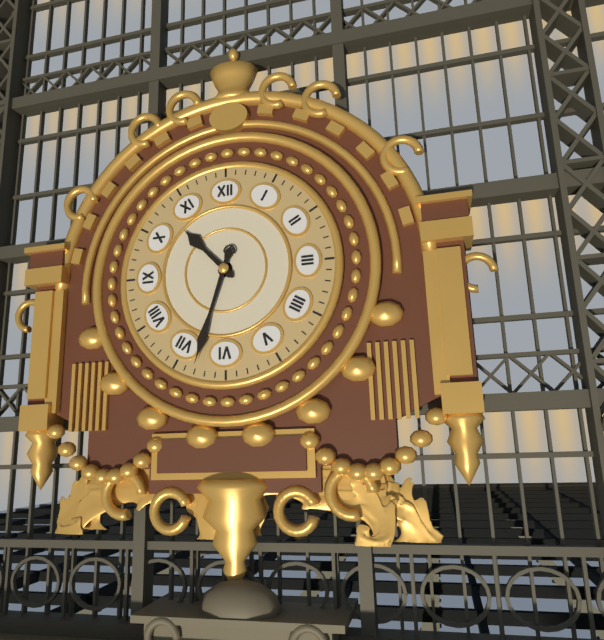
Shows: h=10 m=33
